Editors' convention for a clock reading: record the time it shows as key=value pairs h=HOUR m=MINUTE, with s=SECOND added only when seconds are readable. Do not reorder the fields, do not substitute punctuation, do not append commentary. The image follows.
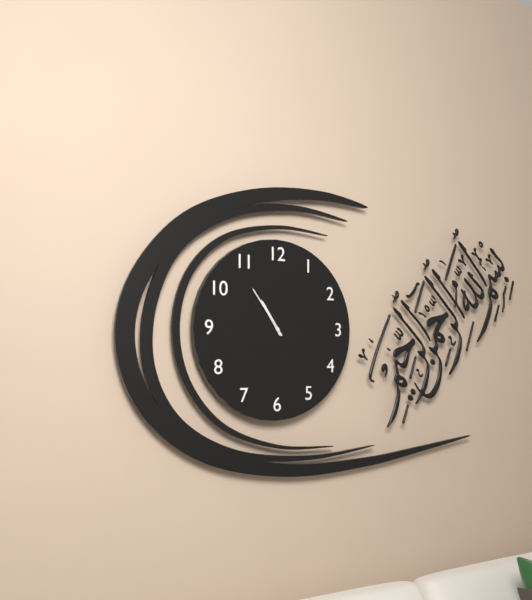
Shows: h=10 m=54
